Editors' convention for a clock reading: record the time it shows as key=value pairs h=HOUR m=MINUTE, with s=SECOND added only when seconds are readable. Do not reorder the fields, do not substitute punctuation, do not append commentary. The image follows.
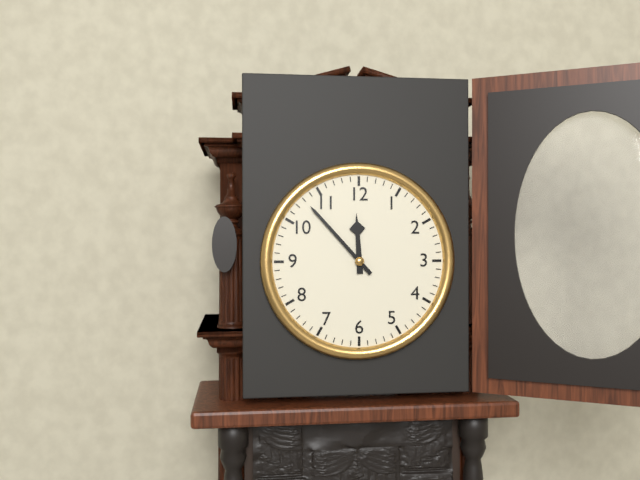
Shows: h=11 m=53
